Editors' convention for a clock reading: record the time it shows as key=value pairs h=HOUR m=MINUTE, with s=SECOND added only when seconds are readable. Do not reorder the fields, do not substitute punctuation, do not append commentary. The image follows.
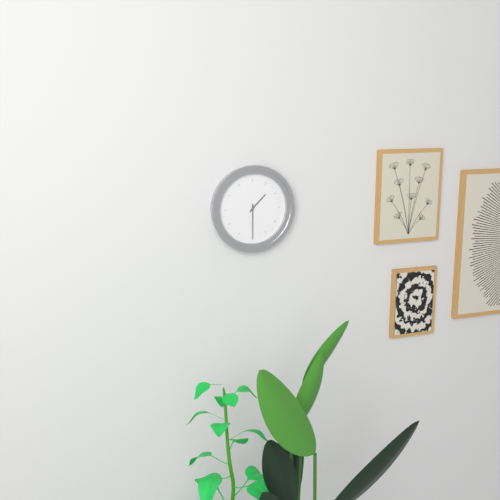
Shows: h=1 m=30
